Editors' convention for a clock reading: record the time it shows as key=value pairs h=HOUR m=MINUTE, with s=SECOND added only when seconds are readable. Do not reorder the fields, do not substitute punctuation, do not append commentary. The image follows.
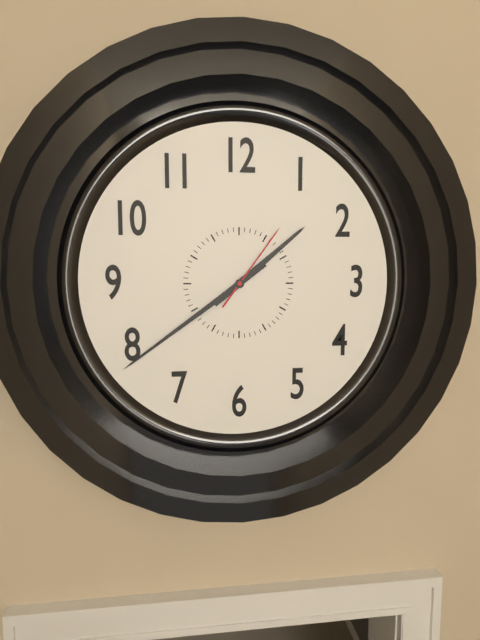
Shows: h=1 m=39 s=6
